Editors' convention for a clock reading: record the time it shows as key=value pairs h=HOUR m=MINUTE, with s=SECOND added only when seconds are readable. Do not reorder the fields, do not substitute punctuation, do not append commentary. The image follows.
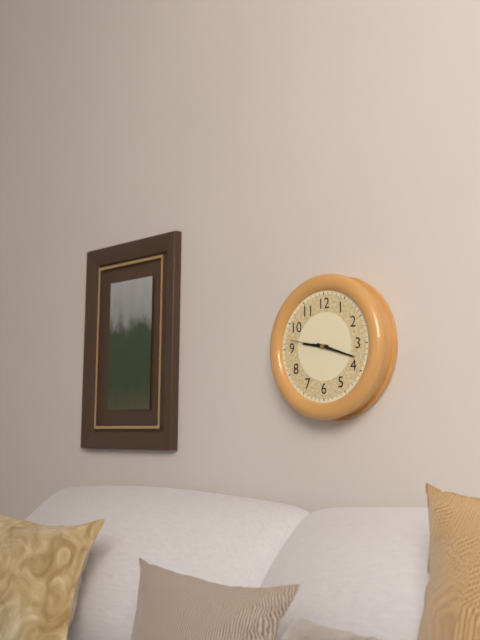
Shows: h=9 m=18
